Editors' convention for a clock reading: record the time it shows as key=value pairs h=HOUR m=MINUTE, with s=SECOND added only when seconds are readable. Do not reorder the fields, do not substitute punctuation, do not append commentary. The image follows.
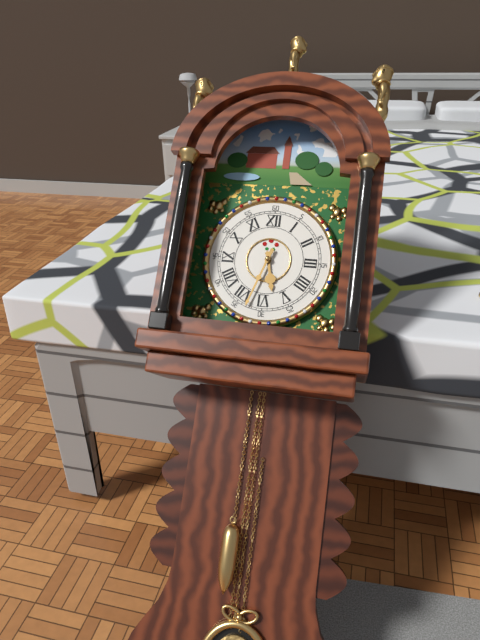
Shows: h=5 m=33
